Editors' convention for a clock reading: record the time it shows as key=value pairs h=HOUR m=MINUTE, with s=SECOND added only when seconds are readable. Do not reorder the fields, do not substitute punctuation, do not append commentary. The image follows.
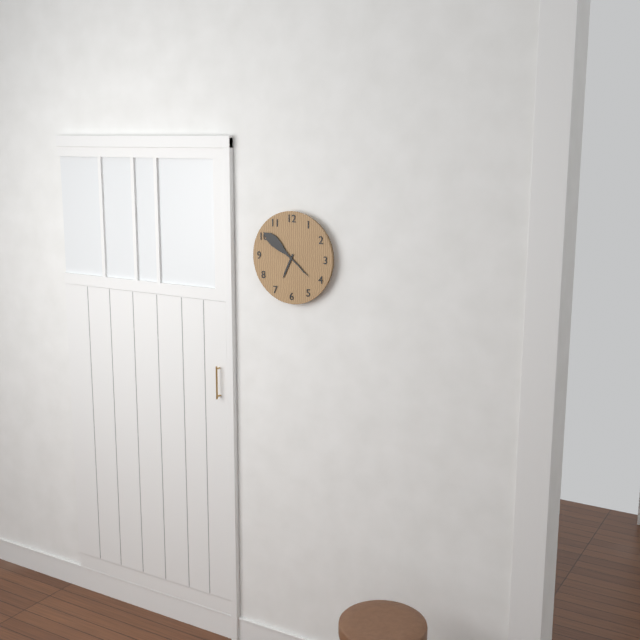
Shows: h=6 m=51
